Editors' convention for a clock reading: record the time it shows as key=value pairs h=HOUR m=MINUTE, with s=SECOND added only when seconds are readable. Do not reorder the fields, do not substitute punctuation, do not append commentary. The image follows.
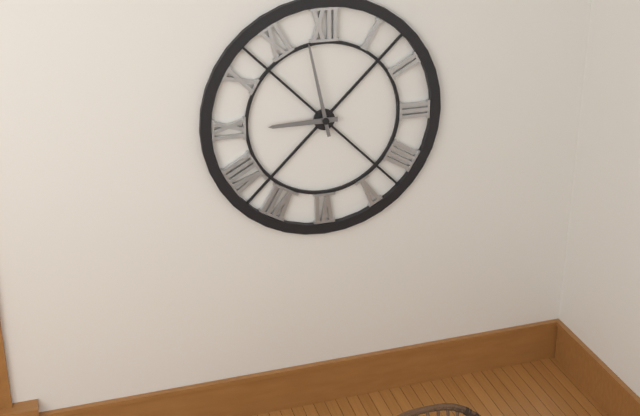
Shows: h=8 m=58
